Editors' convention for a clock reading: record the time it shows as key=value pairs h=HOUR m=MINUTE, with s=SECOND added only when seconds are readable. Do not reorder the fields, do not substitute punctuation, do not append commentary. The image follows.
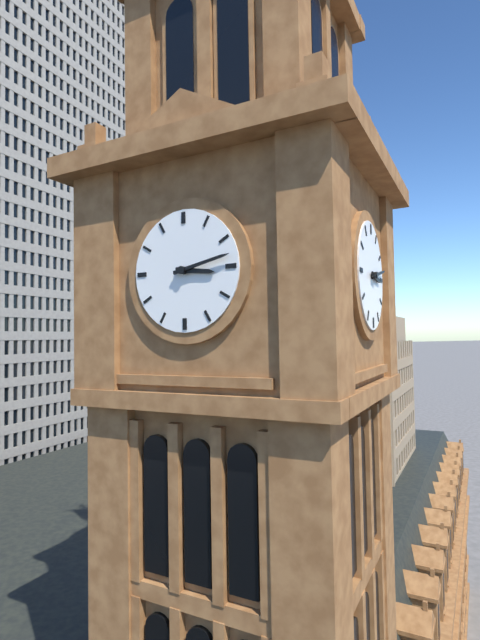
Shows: h=3 m=13
